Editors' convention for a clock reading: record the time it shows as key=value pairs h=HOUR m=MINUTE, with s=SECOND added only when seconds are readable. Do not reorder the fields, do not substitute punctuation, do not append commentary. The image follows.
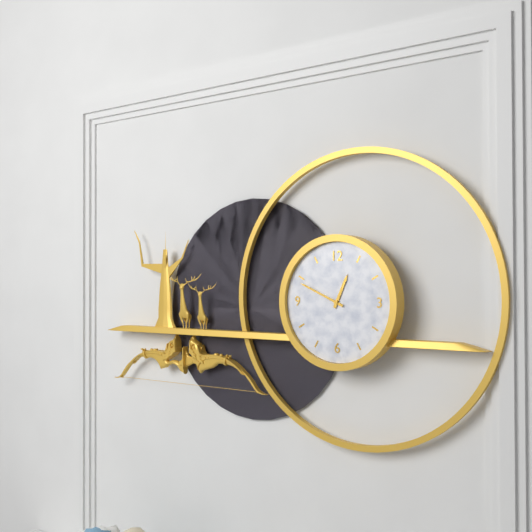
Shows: h=12 m=49
